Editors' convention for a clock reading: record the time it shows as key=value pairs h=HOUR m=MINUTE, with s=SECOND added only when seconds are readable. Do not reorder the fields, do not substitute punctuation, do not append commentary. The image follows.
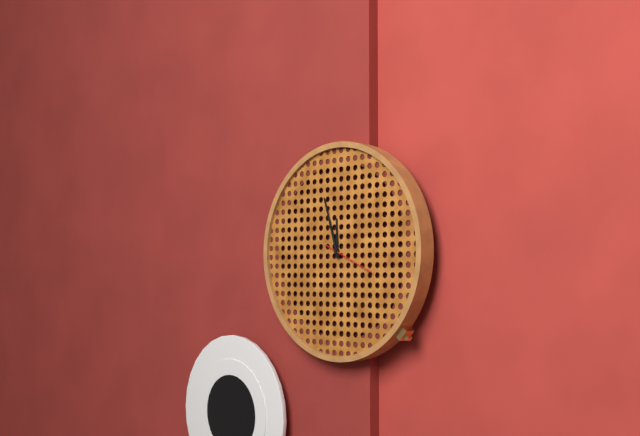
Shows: h=11 m=57
